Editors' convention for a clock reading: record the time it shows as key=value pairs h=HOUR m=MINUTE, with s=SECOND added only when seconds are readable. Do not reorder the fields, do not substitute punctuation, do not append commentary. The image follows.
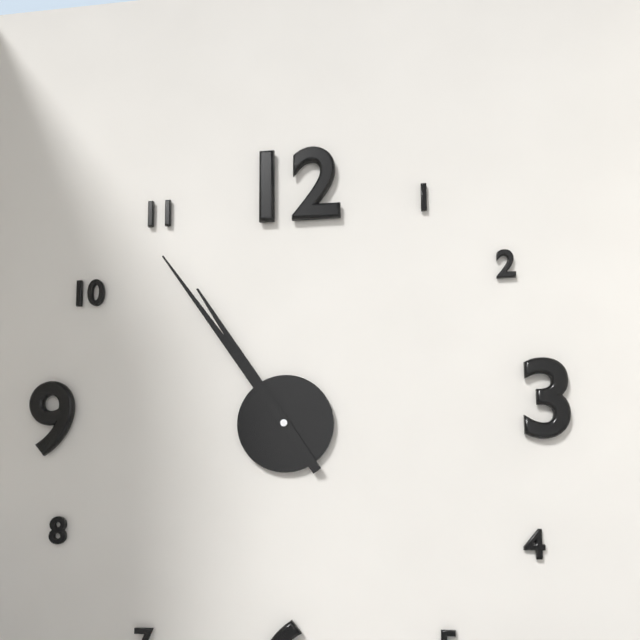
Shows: h=10 m=54
